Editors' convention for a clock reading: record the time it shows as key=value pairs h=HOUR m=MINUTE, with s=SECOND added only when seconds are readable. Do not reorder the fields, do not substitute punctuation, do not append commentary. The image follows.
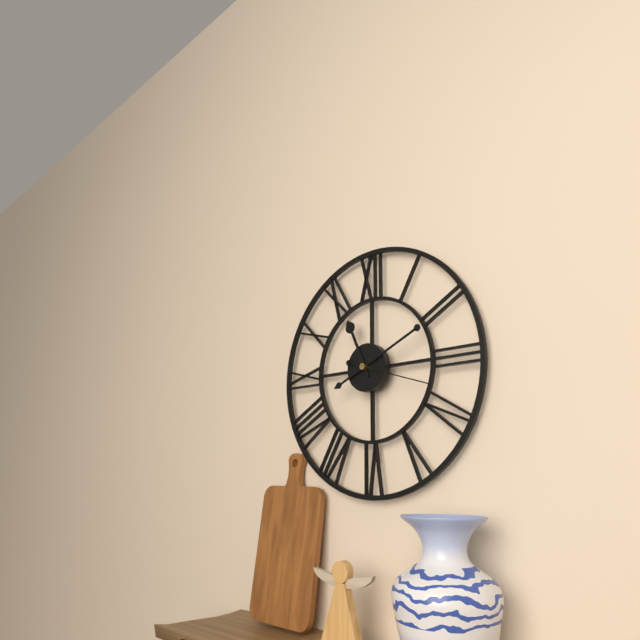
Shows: h=11 m=11 s=18
